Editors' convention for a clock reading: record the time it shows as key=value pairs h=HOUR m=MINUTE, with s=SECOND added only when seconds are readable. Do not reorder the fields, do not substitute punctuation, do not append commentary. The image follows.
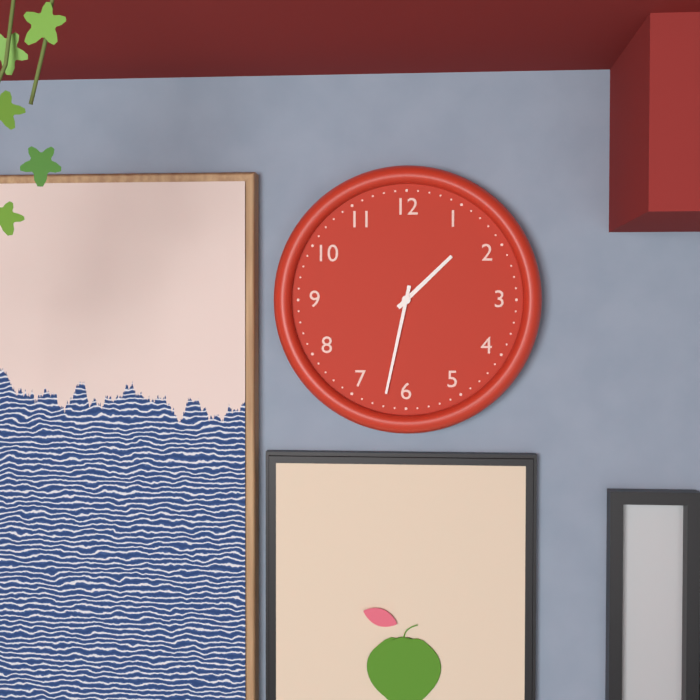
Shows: h=1 m=32
